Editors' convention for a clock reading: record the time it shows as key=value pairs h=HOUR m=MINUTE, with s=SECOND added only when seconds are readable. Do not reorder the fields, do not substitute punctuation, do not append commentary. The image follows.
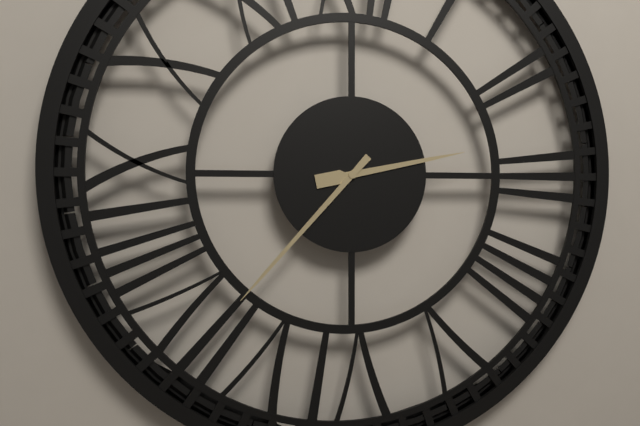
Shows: h=2 m=37
